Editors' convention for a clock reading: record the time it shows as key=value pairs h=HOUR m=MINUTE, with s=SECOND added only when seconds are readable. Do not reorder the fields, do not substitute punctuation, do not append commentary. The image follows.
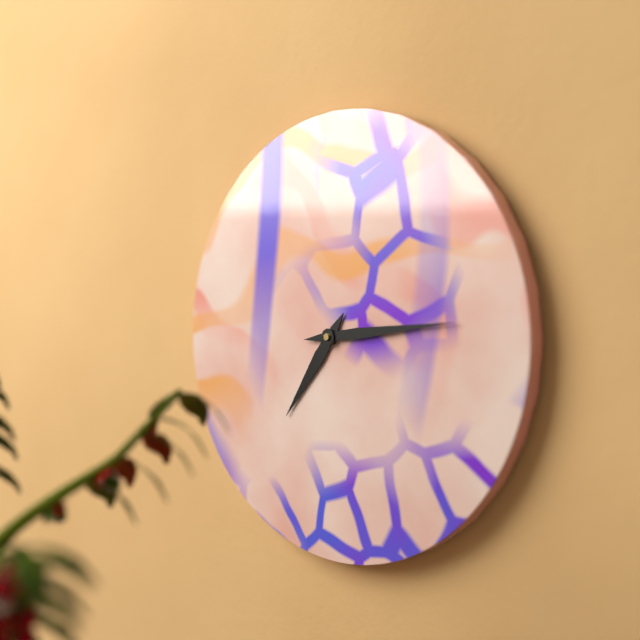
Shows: h=7 m=14
